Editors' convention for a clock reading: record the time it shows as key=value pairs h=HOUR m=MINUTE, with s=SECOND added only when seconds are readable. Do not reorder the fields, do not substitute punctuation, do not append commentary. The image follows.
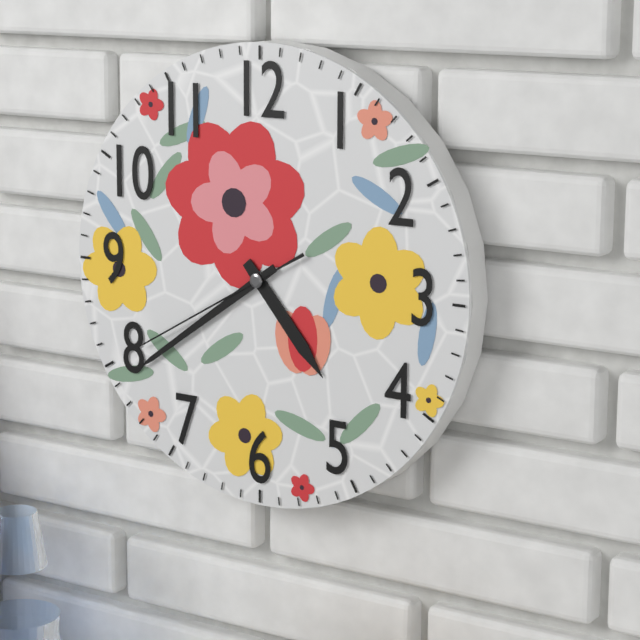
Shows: h=4 m=39 s=40
